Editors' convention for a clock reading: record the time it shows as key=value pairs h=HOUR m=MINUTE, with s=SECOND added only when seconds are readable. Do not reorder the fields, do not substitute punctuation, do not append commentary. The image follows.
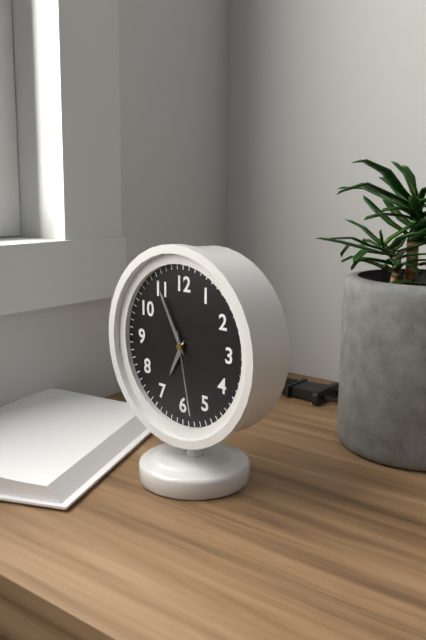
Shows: h=6 m=55 s=28
